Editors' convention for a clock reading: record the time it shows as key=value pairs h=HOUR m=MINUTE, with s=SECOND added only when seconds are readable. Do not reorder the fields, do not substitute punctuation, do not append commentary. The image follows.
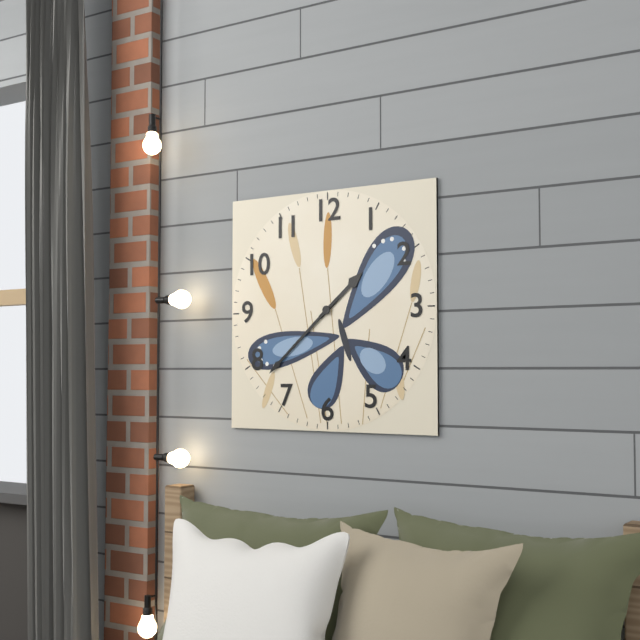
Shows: h=1 m=38
